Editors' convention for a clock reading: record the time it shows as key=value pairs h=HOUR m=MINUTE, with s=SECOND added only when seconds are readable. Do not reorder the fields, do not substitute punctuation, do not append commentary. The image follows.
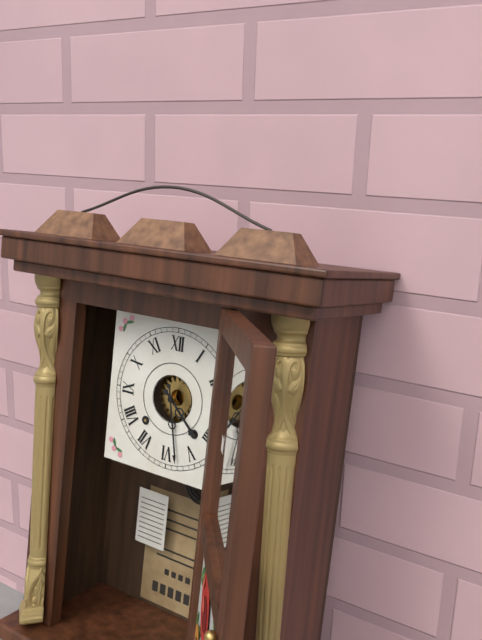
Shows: h=4 m=28
